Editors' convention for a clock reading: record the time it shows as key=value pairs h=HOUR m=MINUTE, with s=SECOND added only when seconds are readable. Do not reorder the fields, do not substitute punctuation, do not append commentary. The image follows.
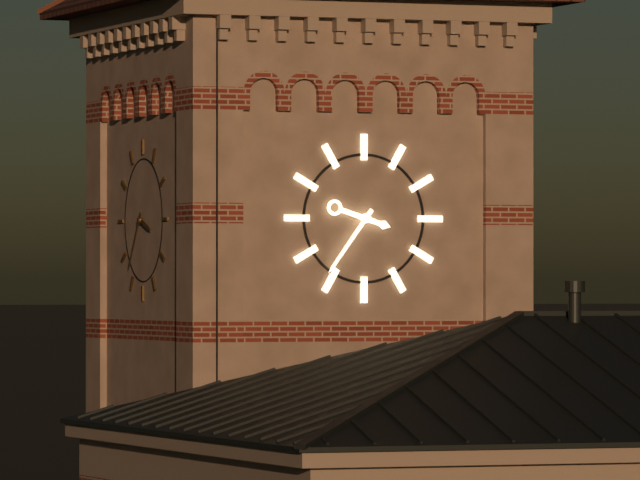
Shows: h=3 m=36
